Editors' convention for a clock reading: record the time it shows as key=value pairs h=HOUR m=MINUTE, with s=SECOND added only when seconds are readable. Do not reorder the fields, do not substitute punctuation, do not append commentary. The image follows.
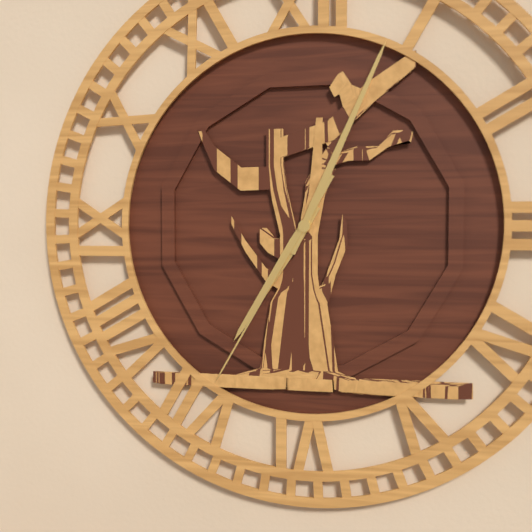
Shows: h=7 m=4 s=35
